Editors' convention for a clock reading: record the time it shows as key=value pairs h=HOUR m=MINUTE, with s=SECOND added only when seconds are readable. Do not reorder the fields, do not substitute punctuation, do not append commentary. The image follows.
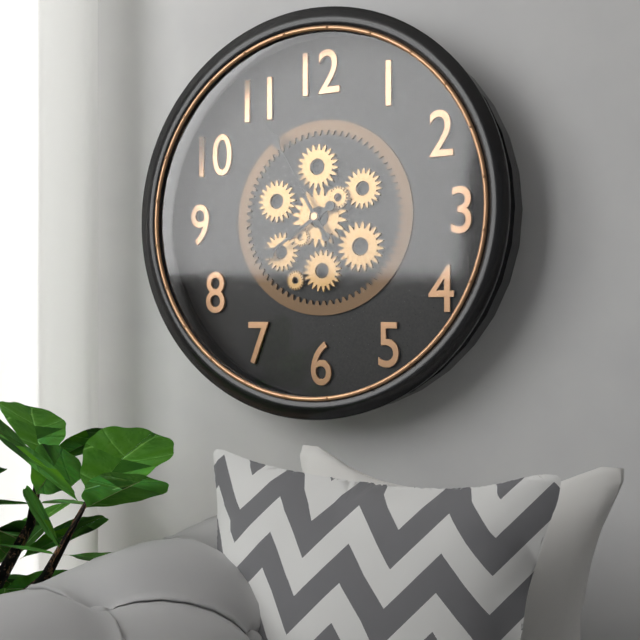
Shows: h=7 m=55
